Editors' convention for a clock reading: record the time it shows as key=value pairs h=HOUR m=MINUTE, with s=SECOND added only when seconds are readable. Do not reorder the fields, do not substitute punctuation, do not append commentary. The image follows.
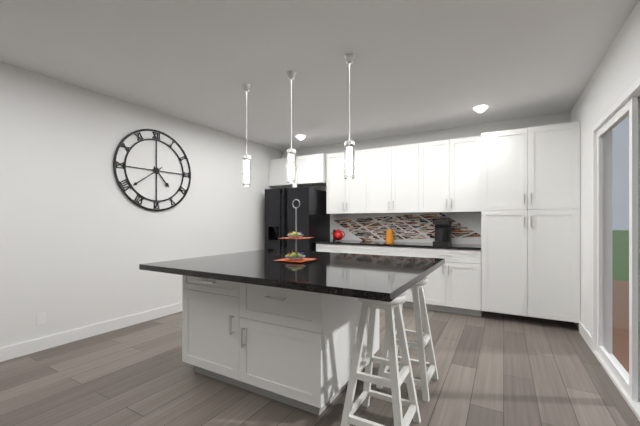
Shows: h=4 m=39
